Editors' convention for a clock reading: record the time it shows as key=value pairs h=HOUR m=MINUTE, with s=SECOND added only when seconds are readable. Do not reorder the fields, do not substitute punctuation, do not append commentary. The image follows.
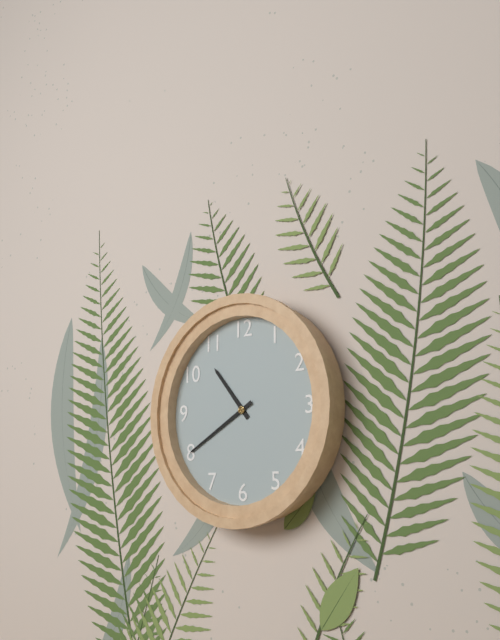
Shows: h=10 m=40
